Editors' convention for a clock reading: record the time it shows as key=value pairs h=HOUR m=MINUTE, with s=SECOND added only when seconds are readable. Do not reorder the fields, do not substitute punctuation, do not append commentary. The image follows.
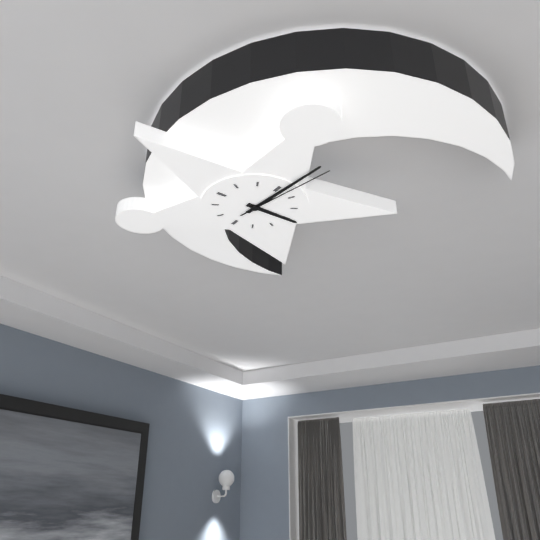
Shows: h=3 m=1 s=2
